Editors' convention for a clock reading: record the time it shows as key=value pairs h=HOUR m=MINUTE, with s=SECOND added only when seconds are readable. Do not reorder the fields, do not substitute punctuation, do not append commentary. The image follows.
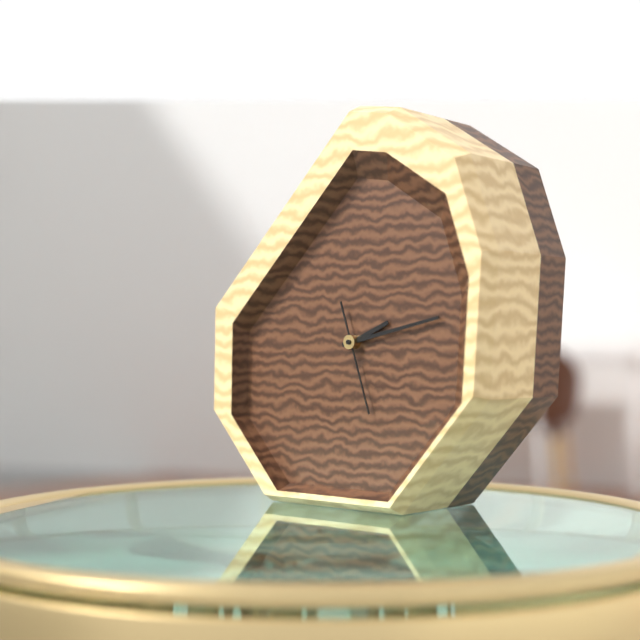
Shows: h=2 m=13 s=27
